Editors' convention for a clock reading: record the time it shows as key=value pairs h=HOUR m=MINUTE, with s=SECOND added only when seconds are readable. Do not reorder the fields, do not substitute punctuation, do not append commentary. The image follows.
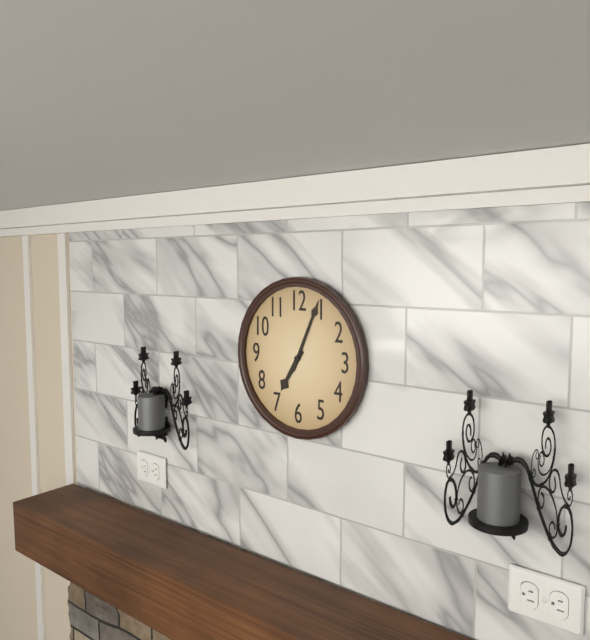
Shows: h=7 m=4
